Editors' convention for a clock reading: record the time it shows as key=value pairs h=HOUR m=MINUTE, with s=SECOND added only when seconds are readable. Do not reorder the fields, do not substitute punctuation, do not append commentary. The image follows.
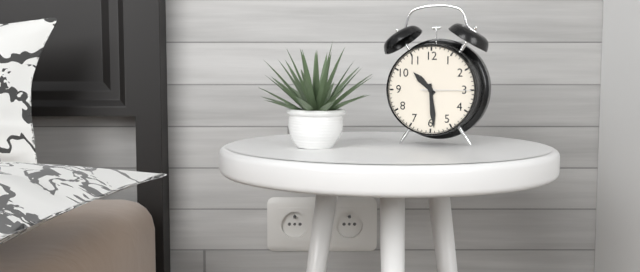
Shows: h=10 m=29
